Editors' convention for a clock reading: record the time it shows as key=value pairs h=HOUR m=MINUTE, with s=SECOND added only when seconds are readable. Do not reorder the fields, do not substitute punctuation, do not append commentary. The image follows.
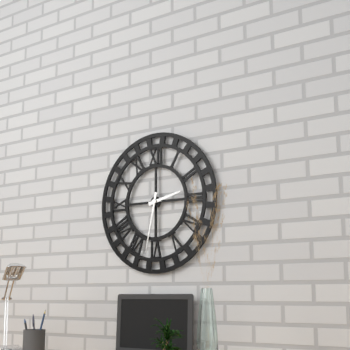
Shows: h=2 m=32
